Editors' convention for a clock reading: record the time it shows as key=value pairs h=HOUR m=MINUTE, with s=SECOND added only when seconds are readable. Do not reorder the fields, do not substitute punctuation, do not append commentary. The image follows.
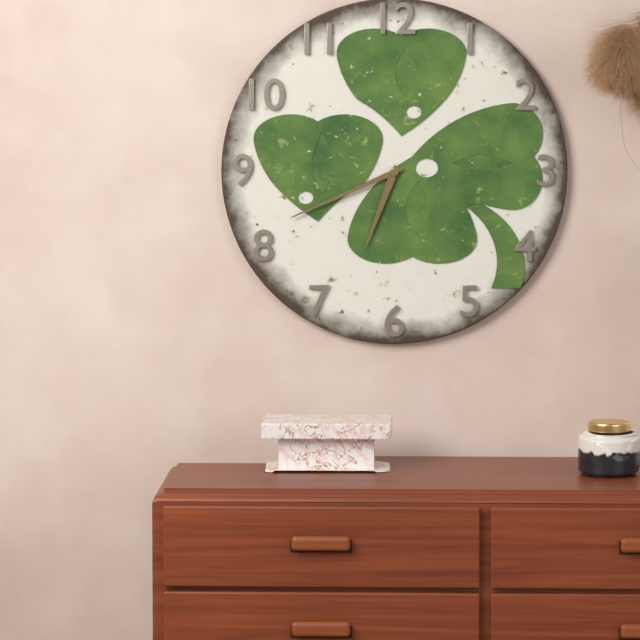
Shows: h=6 m=41
